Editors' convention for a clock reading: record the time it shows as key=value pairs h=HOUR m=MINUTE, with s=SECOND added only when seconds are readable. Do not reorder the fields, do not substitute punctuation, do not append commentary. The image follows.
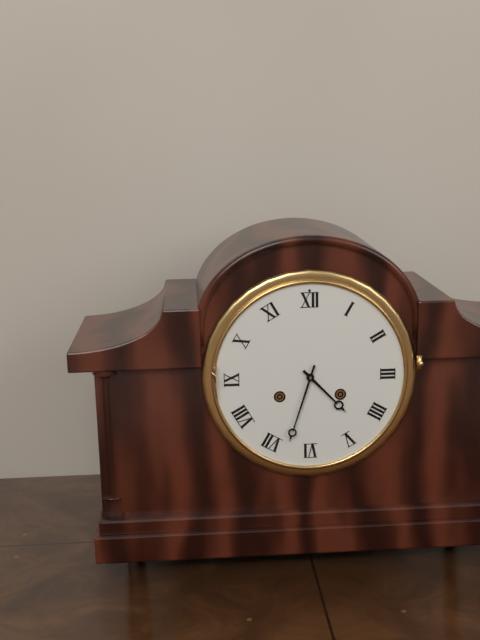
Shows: h=4 m=33
